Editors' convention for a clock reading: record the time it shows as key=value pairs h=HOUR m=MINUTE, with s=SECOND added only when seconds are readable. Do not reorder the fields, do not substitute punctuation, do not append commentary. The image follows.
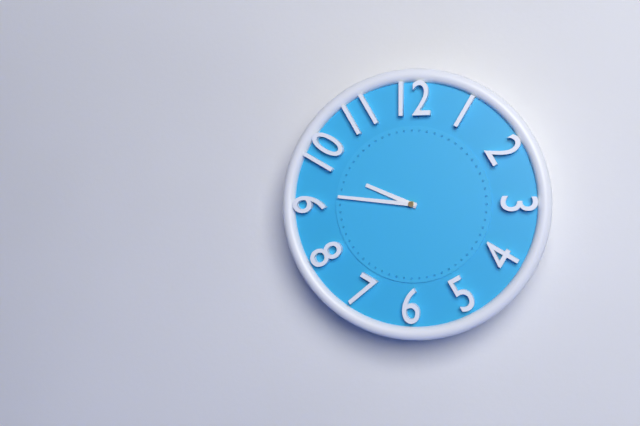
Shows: h=9 m=46
